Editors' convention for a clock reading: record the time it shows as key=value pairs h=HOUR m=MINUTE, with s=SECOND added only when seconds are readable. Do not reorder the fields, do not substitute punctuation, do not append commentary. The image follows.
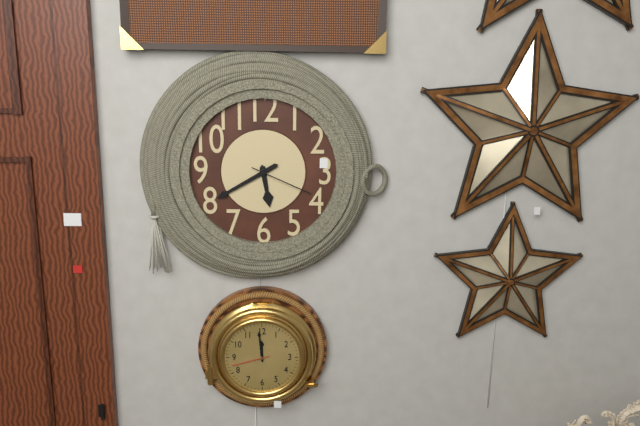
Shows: h=5 m=40 s=19
